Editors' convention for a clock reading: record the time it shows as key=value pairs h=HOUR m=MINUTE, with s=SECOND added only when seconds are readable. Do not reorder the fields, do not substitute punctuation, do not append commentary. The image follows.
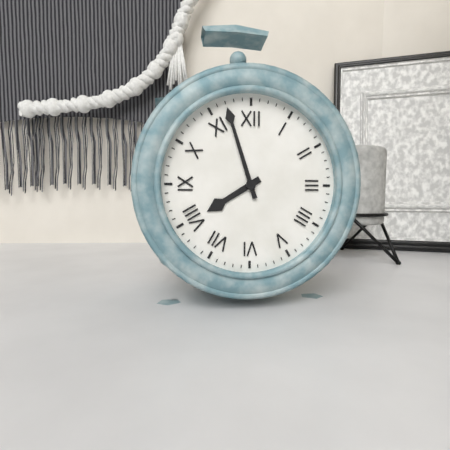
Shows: h=7 m=57
